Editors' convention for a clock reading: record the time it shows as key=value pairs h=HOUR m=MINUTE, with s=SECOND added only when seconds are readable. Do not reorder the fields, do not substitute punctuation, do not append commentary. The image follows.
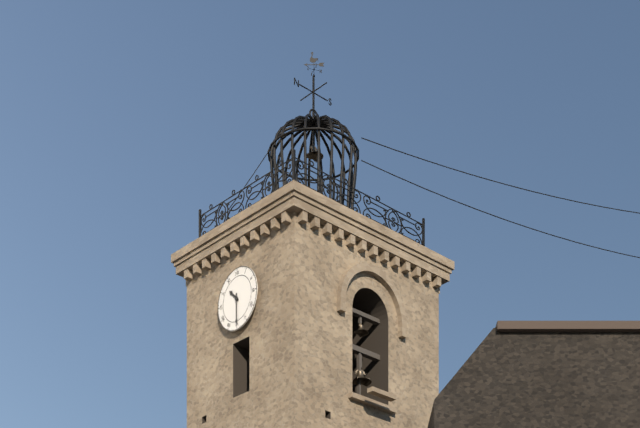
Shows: h=10 m=30
